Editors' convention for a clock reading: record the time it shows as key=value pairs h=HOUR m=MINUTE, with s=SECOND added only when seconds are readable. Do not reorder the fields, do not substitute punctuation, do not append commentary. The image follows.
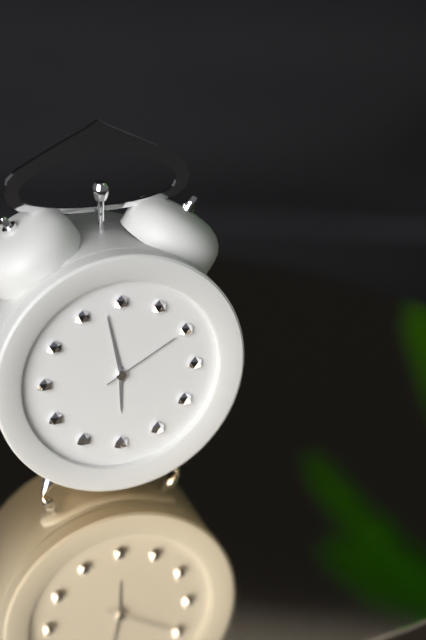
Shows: h=5 m=58 s=10
